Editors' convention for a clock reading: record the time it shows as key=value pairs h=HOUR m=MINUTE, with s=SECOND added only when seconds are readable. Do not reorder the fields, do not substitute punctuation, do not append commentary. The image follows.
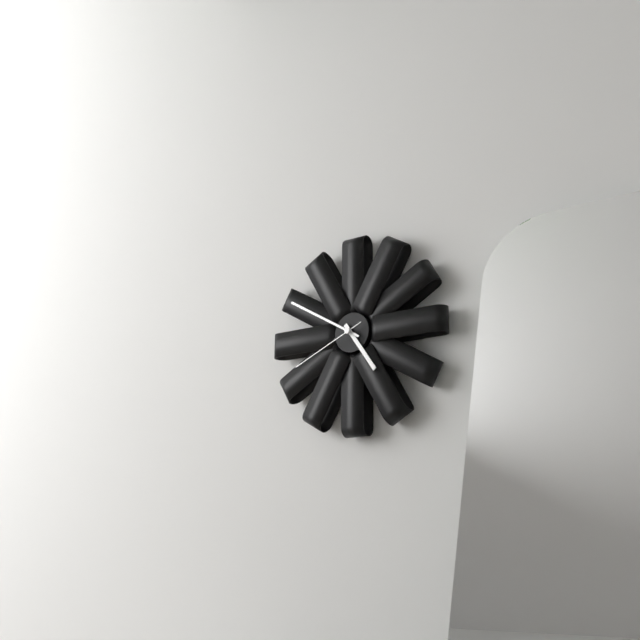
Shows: h=4 m=50 s=41
